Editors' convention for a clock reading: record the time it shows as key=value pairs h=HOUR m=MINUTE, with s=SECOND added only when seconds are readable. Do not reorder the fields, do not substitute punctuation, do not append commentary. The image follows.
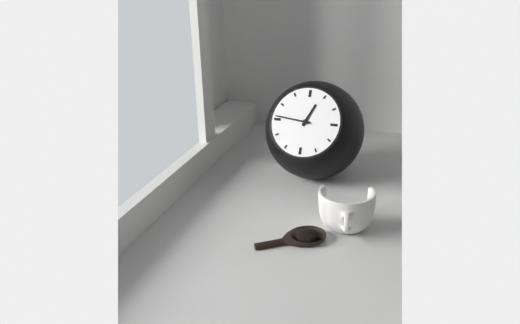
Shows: h=12 m=46
